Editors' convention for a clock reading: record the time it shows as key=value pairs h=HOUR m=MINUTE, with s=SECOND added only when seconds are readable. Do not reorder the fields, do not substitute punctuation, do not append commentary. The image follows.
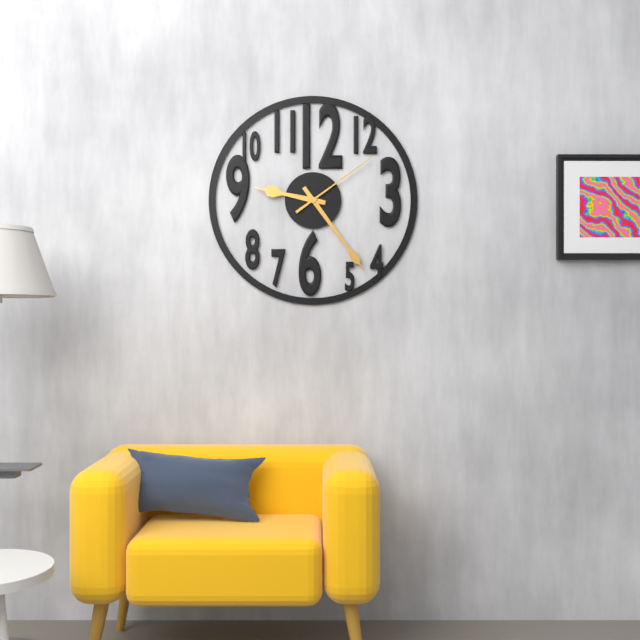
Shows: h=9 m=24 s=9
